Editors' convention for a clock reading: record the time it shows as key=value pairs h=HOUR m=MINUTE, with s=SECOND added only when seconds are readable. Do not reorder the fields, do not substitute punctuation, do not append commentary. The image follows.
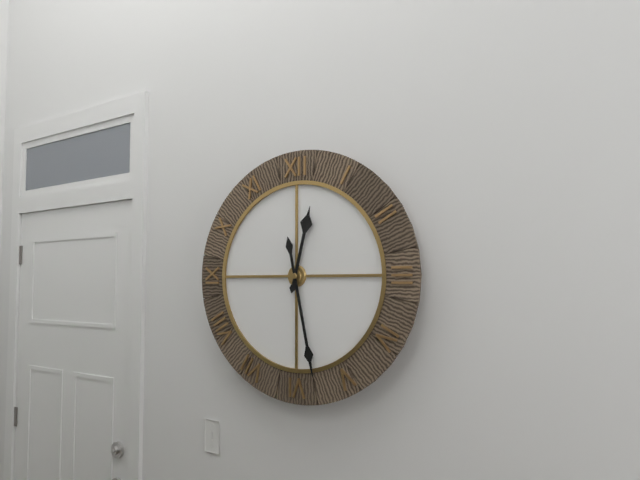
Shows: h=12 m=28
